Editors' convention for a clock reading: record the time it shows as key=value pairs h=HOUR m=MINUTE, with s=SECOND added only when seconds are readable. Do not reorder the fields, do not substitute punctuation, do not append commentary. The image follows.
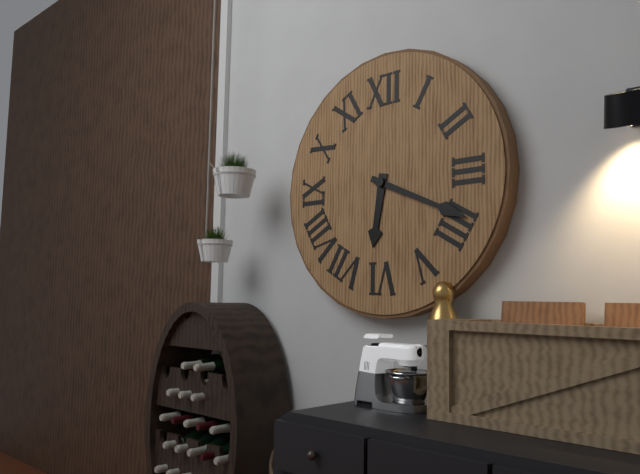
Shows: h=6 m=19
